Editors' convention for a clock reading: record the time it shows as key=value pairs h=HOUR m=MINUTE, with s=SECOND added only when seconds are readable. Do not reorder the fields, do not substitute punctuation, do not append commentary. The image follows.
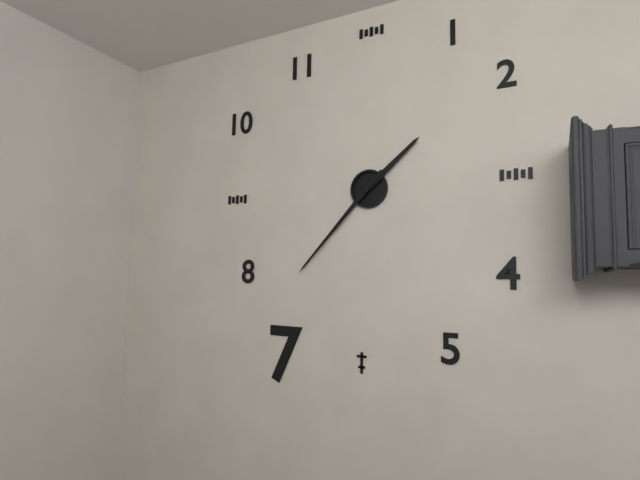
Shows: h=1 m=37
